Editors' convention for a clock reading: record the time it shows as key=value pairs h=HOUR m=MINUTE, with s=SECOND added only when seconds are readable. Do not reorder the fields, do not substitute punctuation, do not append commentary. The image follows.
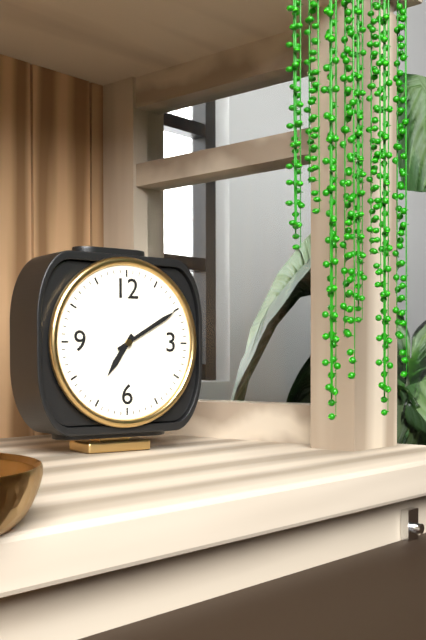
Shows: h=7 m=10
